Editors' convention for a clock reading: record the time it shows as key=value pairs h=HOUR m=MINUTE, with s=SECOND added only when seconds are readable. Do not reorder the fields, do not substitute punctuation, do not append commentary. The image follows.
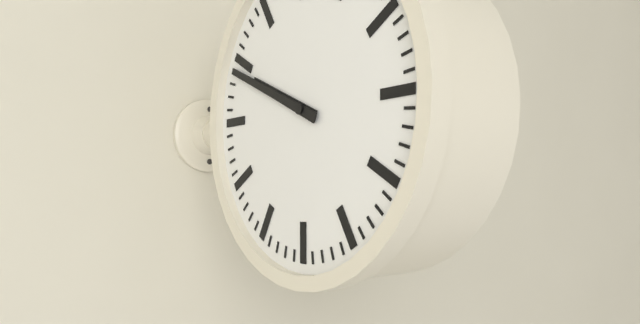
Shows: h=9 m=49
